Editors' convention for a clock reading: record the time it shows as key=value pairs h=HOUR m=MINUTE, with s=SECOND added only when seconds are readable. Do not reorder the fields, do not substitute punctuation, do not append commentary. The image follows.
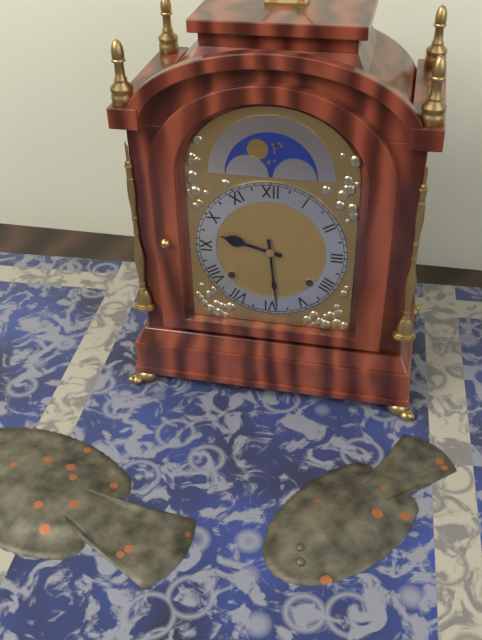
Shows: h=9 m=29
